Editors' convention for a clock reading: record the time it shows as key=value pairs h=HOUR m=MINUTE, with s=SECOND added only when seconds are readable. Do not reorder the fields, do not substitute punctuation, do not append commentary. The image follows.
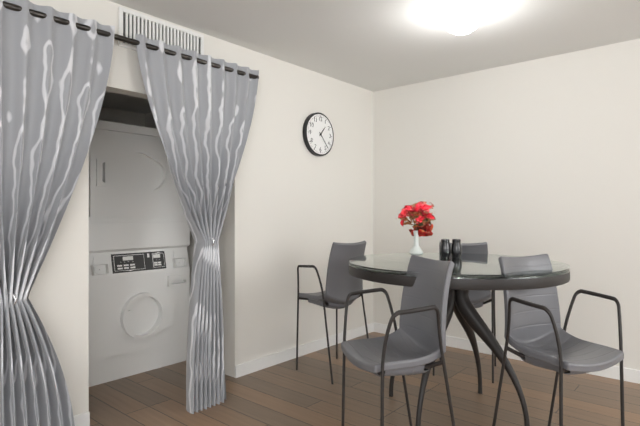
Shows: h=1 m=23
